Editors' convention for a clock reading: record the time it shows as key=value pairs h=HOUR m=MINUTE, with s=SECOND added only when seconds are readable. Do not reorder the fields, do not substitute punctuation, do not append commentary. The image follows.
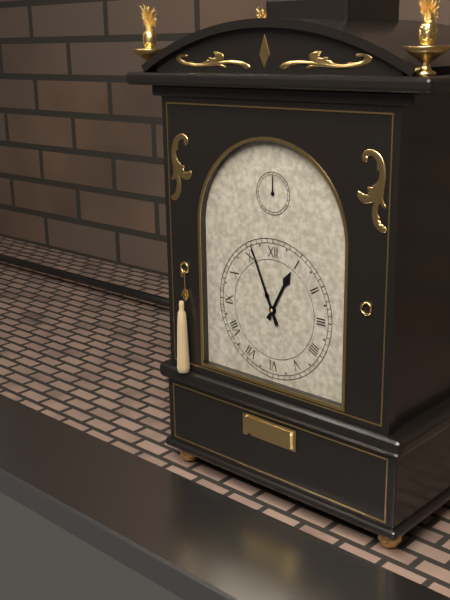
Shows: h=12 m=56
